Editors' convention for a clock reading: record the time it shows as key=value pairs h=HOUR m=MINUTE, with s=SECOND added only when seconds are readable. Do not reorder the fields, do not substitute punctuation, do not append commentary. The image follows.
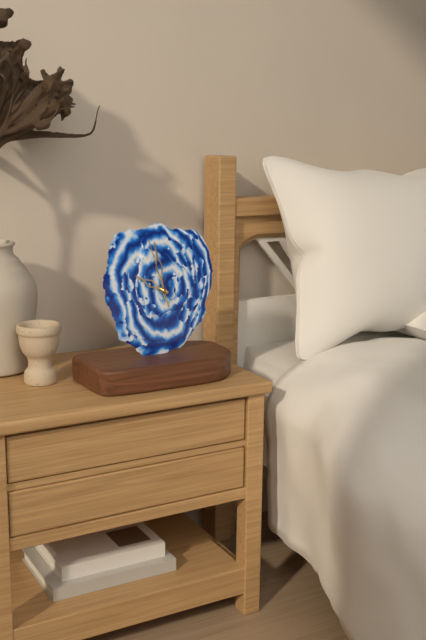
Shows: h=9 m=58 s=57
